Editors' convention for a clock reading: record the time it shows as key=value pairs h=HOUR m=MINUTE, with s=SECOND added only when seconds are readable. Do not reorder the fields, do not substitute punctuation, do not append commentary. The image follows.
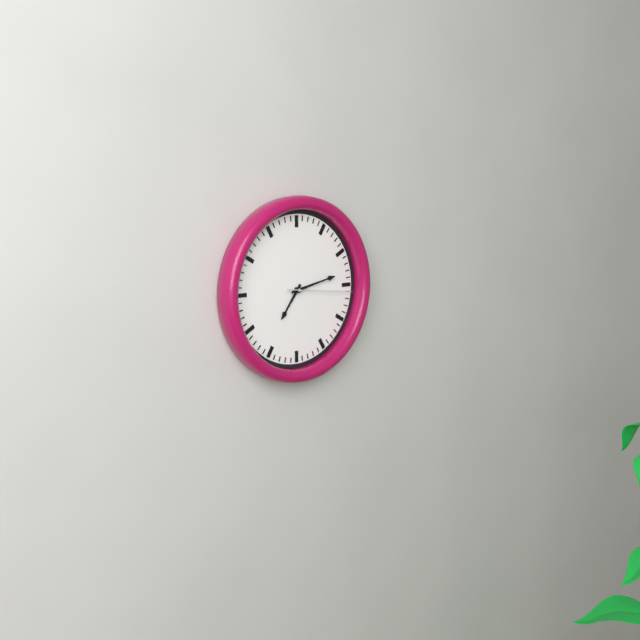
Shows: h=7 m=13 s=16
